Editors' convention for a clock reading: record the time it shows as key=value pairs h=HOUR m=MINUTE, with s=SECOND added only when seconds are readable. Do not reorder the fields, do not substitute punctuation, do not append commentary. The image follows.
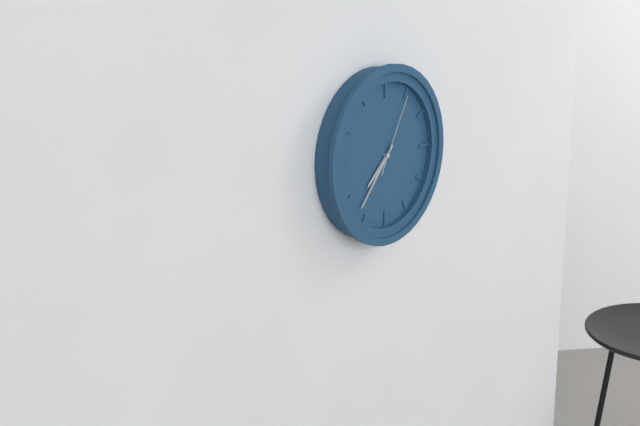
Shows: h=7 m=37 s=5
